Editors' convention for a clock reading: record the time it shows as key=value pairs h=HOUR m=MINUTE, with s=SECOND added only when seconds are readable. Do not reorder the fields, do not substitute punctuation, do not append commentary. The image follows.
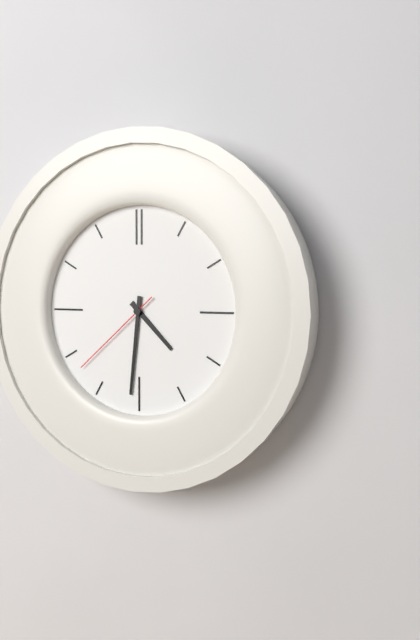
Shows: h=4 m=31 s=38
